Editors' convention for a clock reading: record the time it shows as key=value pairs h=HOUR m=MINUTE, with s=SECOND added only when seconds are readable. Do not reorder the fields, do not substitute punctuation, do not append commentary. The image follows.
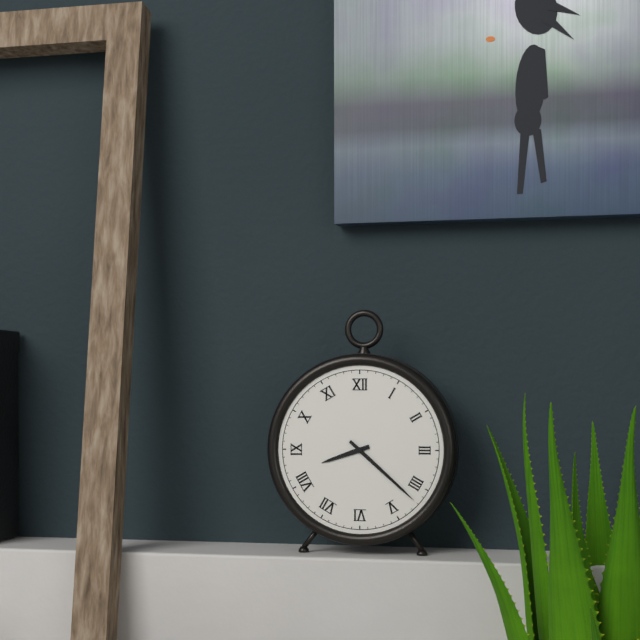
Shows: h=8 m=22
